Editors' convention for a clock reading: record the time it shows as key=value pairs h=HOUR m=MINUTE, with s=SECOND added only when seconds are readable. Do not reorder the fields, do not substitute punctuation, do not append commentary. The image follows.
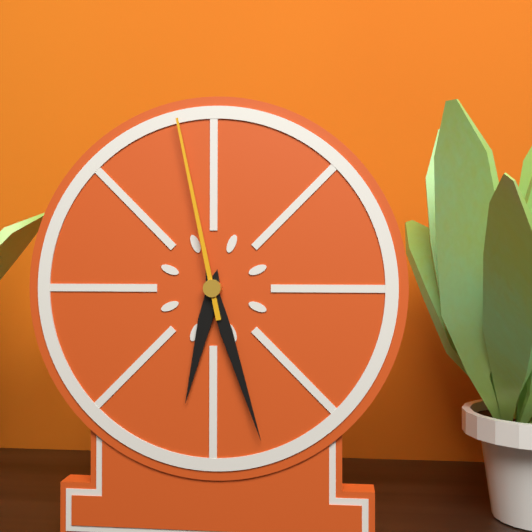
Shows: h=6 m=27 s=58
